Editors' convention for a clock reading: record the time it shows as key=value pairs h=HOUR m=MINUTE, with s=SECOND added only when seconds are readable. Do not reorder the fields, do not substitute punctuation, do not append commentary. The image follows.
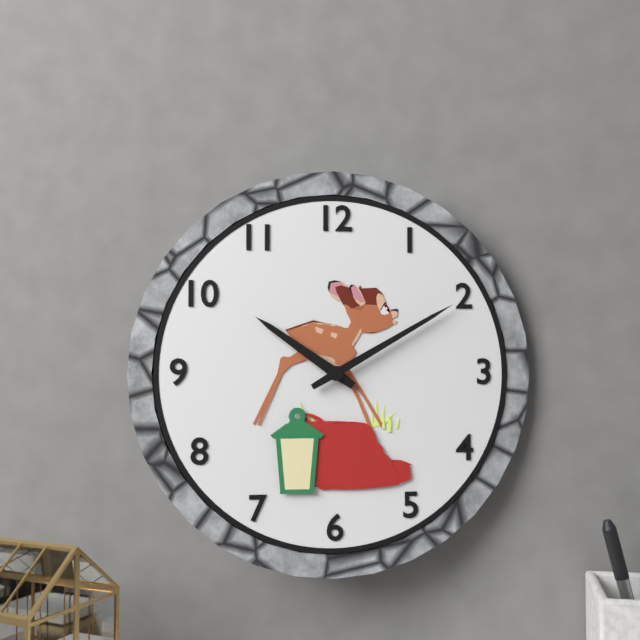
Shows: h=10 m=10
